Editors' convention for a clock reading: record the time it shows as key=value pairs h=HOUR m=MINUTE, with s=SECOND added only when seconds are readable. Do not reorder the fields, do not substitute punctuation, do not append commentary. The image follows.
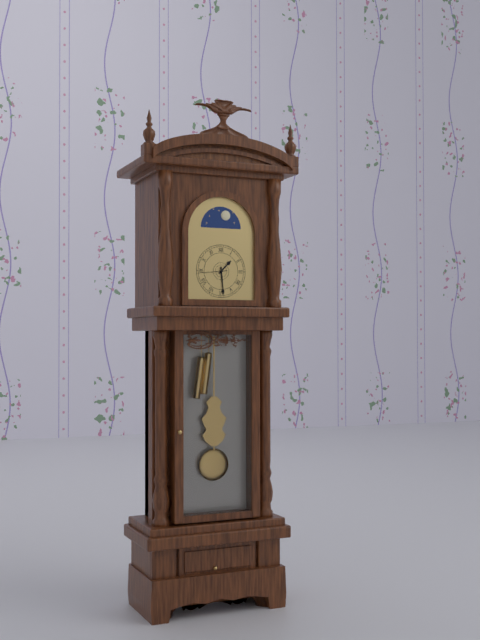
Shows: h=1 m=29
